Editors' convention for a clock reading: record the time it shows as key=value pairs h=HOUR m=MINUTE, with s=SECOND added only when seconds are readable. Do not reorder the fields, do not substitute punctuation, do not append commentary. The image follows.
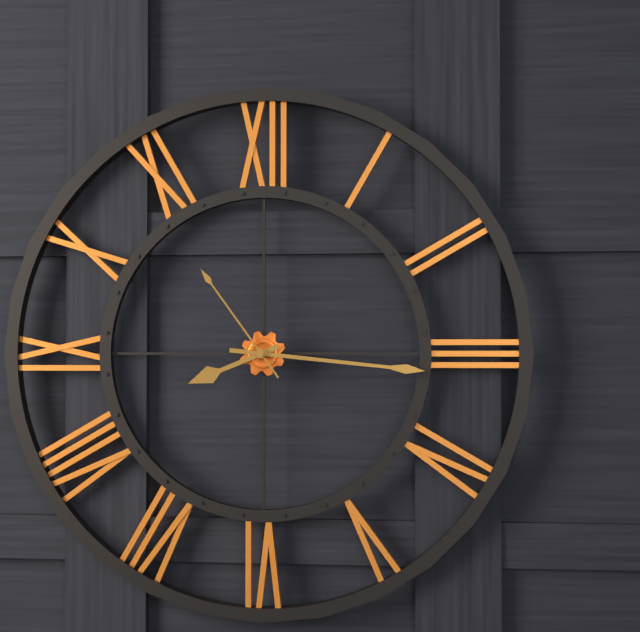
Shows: h=8 m=16 s=54
